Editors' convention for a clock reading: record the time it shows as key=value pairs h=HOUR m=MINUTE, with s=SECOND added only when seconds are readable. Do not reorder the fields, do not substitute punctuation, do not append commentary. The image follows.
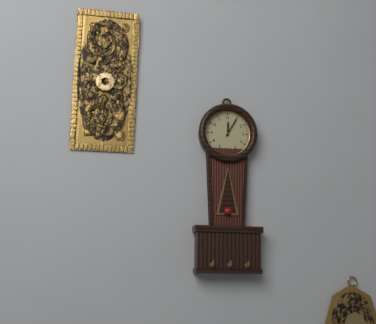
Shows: h=12 m=5
